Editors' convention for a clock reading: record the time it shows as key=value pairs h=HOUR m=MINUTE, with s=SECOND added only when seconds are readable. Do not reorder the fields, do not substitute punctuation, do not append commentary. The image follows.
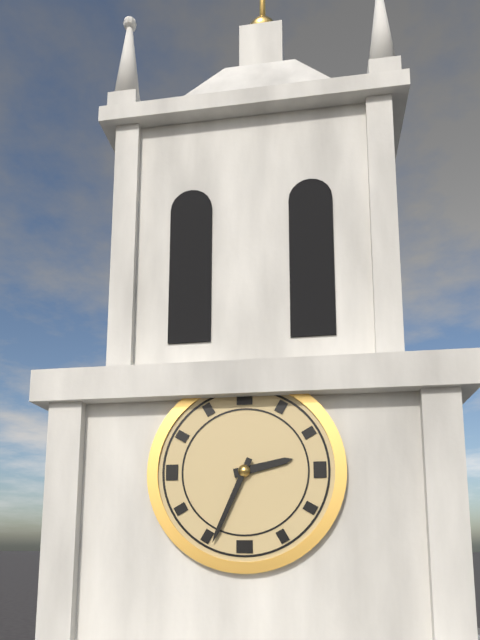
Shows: h=2 m=34
